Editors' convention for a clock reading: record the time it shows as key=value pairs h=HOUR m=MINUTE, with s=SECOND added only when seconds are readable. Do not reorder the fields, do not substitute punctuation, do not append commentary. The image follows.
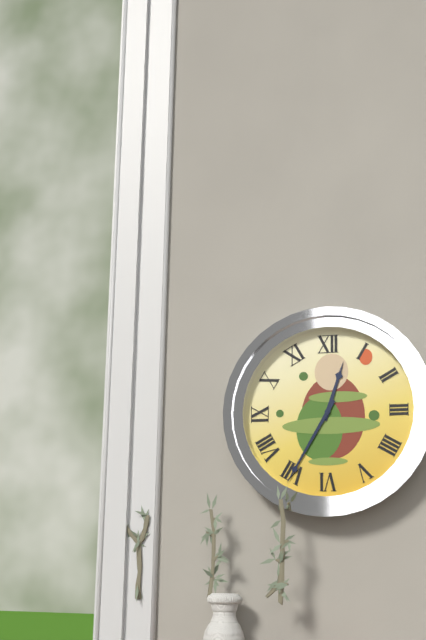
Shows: h=12 m=35
